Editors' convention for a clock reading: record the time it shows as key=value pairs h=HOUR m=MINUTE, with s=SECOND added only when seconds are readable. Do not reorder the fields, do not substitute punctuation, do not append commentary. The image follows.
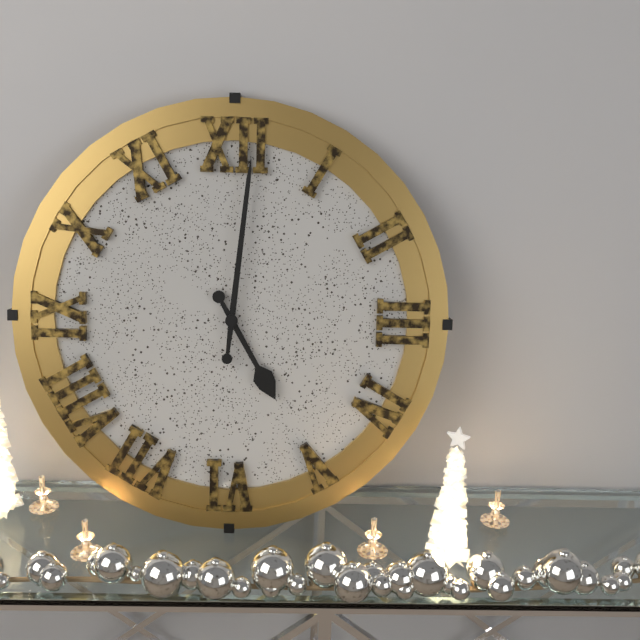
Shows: h=5 m=1
